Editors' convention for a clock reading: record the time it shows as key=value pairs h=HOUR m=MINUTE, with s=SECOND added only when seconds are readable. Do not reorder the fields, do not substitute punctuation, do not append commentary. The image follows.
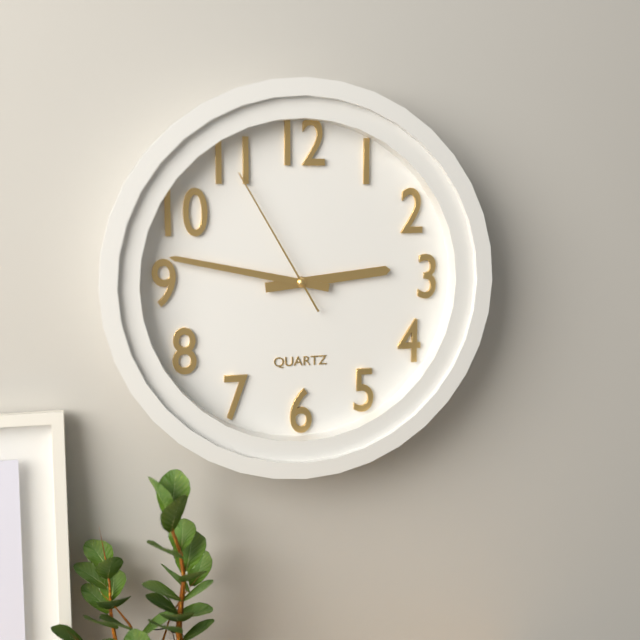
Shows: h=2 m=47 s=55
